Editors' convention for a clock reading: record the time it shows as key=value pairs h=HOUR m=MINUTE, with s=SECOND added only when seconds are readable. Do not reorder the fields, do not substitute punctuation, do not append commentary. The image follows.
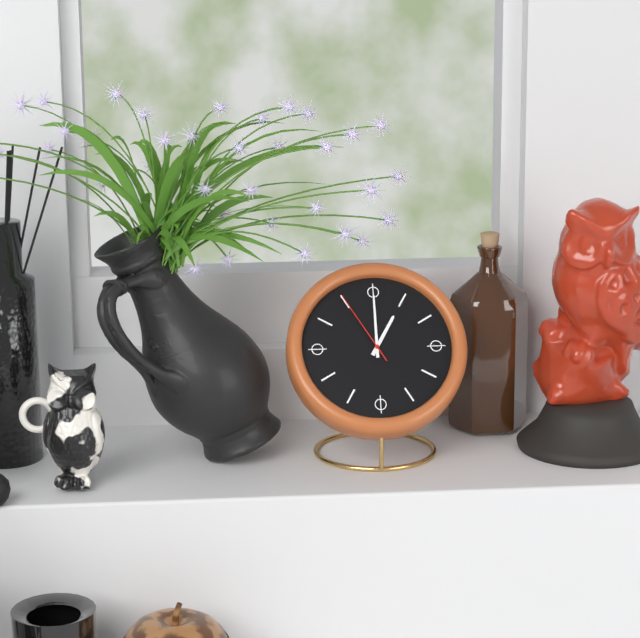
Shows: h=1 m=0 s=55
